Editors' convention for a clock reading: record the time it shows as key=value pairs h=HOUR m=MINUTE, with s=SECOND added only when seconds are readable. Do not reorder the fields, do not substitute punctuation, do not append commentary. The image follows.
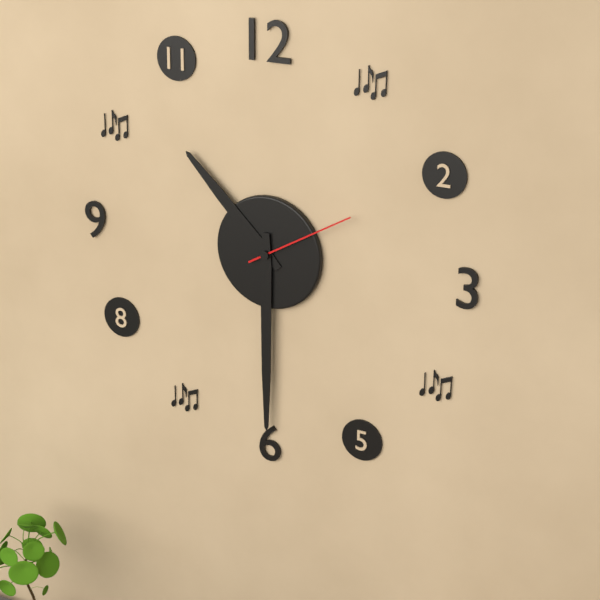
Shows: h=10 m=30 s=10
